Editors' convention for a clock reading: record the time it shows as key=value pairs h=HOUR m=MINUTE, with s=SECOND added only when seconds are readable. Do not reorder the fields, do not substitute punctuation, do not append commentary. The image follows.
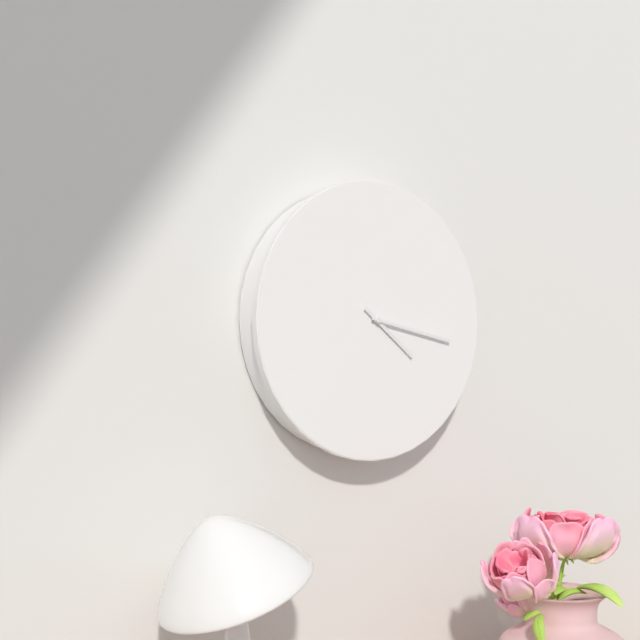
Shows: h=4 m=17
